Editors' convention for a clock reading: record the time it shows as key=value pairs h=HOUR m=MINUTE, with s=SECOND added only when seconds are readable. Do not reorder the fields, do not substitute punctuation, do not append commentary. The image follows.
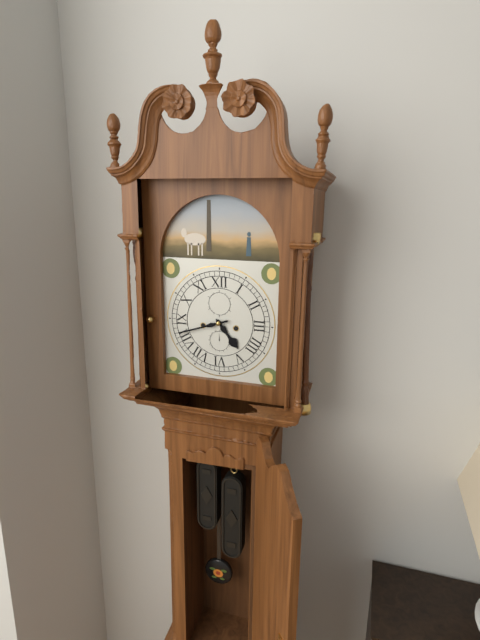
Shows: h=4 m=42
